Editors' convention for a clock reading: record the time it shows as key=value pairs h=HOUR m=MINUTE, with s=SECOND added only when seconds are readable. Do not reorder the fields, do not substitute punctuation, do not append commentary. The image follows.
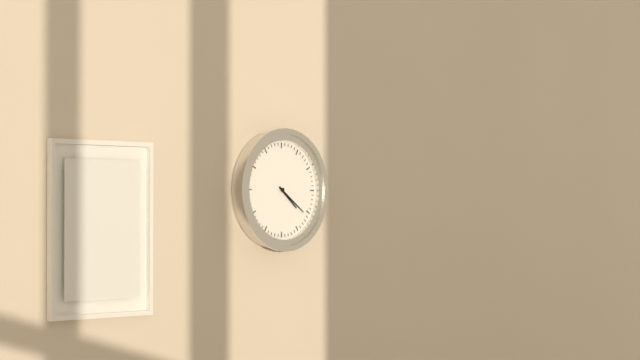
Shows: h=4 m=21
